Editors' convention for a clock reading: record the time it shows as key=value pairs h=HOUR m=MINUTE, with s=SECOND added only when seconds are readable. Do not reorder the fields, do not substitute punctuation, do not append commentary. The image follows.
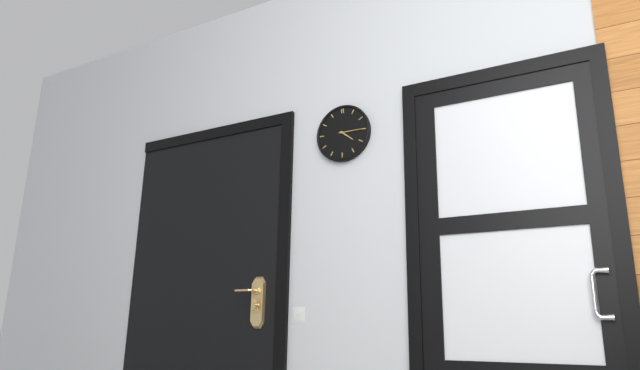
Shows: h=4 m=15
